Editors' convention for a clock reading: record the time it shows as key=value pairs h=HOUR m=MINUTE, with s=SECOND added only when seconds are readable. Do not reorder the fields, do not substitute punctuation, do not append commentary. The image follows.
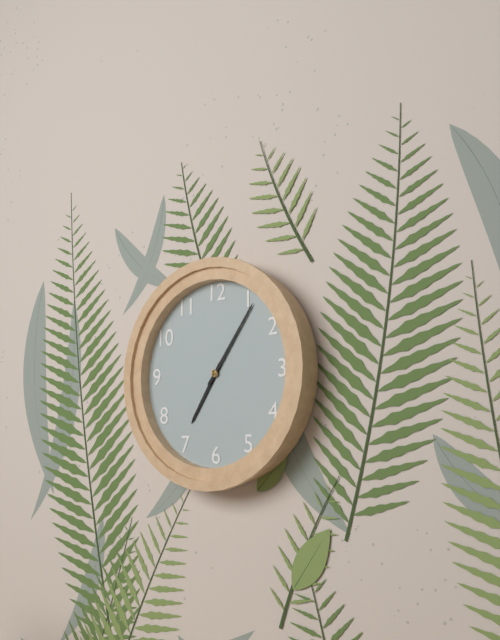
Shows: h=7 m=6
